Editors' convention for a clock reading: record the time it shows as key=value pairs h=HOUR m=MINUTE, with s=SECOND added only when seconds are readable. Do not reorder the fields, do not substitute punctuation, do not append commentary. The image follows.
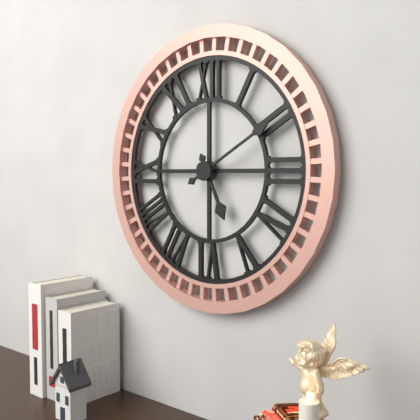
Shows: h=5 m=10
